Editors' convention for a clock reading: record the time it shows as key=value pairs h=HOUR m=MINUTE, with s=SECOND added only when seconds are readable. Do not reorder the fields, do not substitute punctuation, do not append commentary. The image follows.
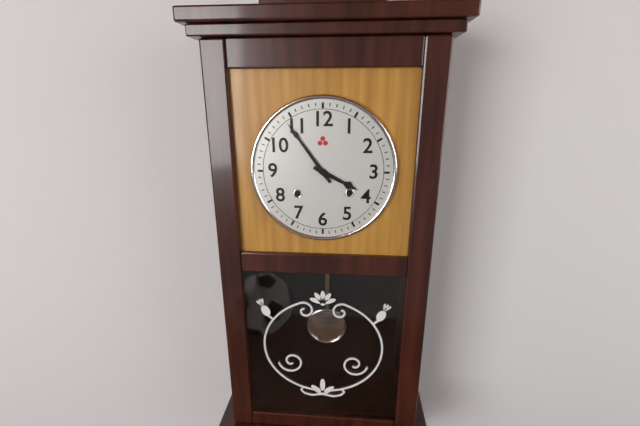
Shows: h=3 m=54
